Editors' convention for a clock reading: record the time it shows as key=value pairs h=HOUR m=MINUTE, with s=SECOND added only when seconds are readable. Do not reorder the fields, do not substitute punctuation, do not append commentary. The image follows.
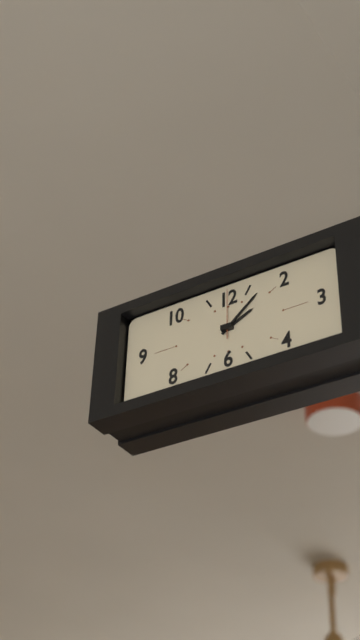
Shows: h=2 m=8 s=0
